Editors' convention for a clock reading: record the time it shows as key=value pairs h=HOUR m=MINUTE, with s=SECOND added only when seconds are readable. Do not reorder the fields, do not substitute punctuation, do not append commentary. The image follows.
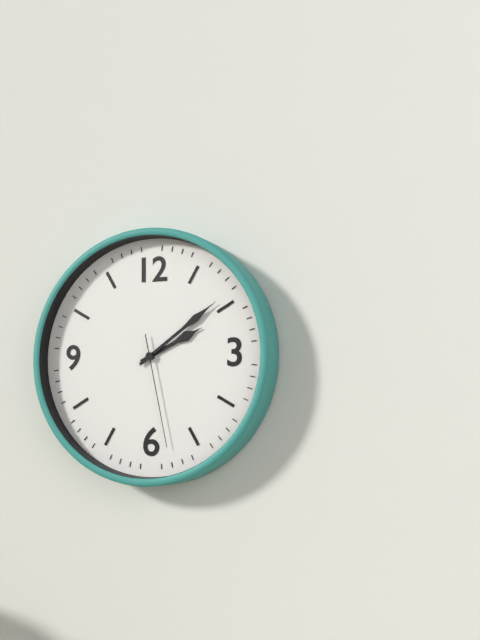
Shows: h=2 m=9 s=28
